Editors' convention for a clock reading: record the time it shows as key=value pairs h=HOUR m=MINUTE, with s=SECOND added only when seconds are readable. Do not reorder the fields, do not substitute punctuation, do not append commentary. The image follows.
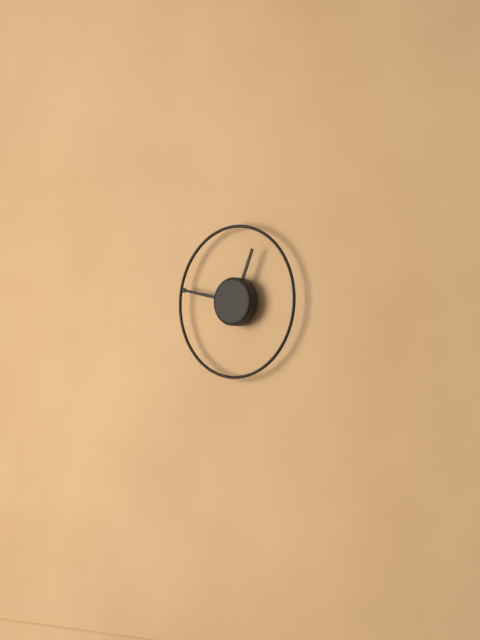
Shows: h=12 m=47
